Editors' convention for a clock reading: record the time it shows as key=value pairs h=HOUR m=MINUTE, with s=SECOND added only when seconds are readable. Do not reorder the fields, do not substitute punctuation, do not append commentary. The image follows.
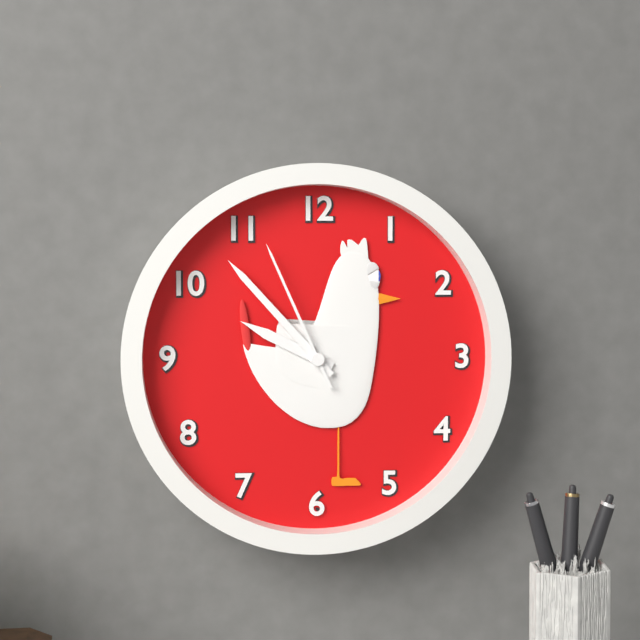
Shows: h=9 m=53 s=56
